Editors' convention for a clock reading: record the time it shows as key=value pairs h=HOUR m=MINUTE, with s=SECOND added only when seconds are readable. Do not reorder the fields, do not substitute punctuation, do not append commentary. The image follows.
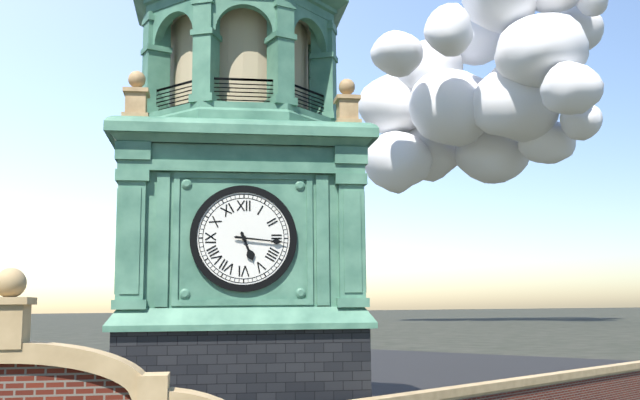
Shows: h=5 m=16
